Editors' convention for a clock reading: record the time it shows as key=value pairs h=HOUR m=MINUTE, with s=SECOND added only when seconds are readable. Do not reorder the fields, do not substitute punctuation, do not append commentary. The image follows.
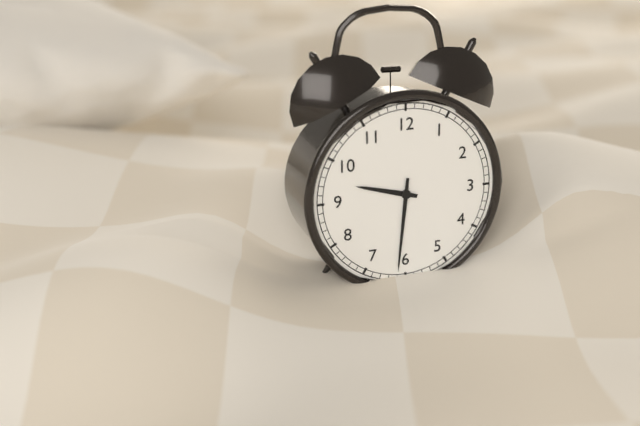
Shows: h=9 m=31
